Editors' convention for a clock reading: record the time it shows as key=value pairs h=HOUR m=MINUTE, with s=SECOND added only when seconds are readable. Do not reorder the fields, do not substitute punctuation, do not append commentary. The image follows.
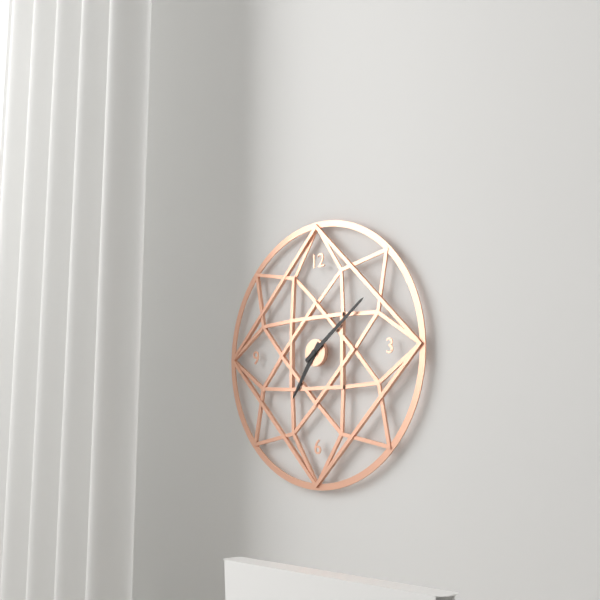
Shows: h=7 m=9
